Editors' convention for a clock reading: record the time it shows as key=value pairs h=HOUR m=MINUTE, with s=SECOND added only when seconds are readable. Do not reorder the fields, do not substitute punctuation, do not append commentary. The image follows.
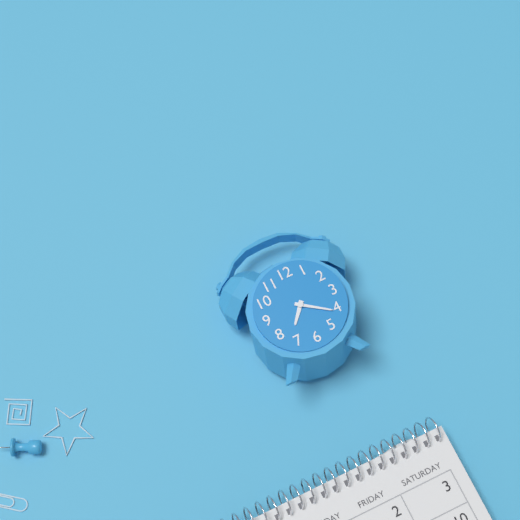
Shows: h=7 m=21
